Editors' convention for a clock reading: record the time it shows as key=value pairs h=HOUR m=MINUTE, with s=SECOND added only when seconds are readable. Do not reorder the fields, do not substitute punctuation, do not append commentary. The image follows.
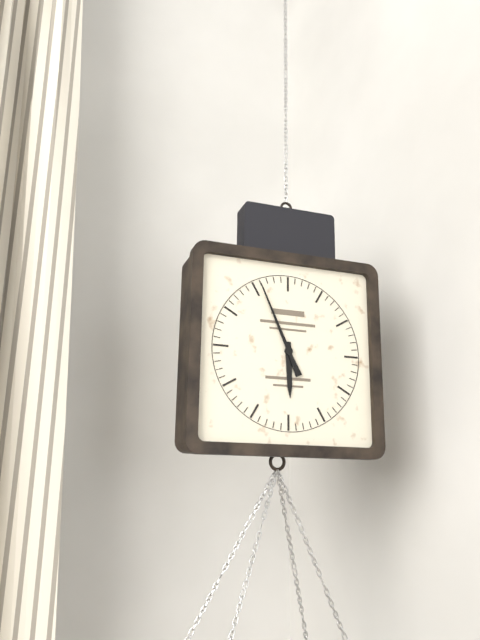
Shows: h=5 m=56
